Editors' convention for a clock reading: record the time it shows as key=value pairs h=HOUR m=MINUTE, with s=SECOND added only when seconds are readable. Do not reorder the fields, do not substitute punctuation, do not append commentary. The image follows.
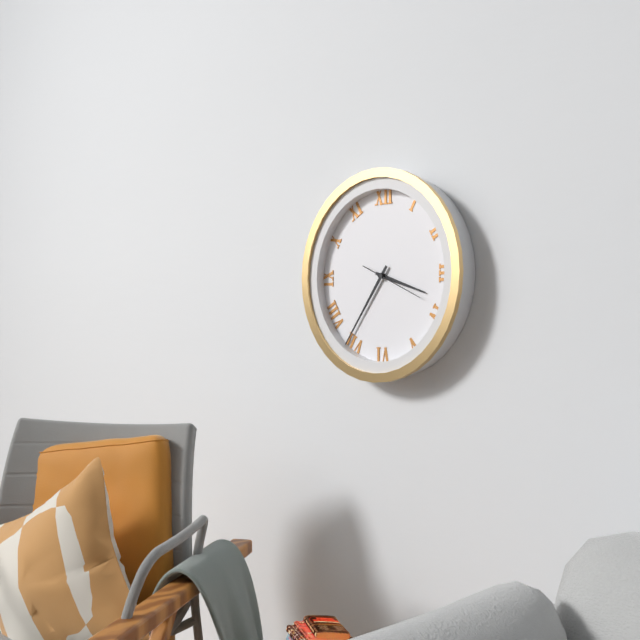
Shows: h=3 m=36 s=19
